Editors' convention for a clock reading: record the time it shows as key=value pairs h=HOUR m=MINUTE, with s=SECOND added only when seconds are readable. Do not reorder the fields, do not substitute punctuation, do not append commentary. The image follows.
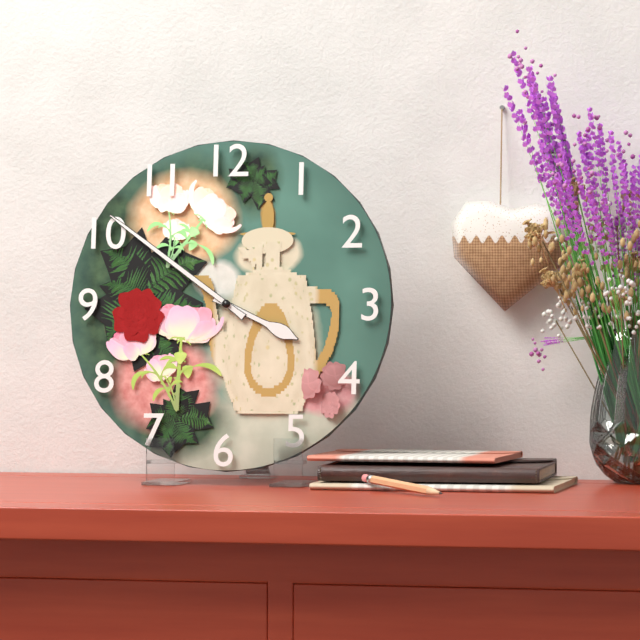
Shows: h=3 m=51
